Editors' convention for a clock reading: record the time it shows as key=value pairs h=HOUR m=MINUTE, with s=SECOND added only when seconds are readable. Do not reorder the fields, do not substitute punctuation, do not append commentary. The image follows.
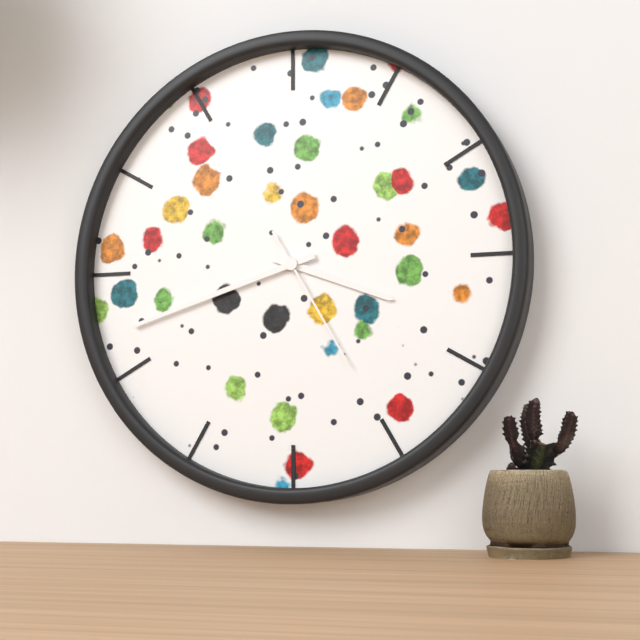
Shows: h=3 m=42 s=25
